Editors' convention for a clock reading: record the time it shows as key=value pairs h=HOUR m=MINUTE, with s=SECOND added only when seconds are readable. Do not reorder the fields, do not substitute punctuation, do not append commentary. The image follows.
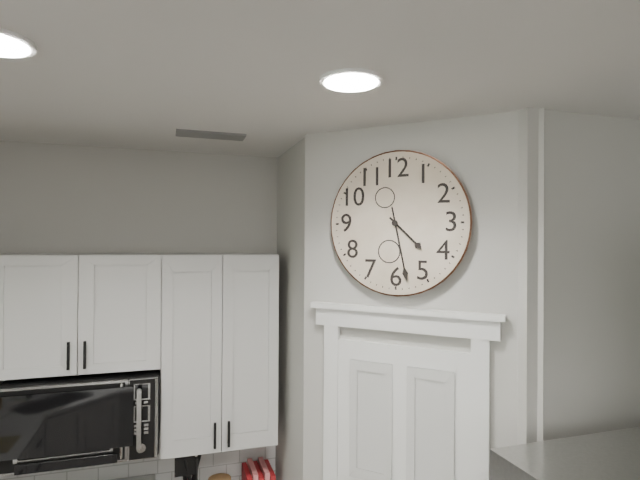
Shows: h=4 m=28
